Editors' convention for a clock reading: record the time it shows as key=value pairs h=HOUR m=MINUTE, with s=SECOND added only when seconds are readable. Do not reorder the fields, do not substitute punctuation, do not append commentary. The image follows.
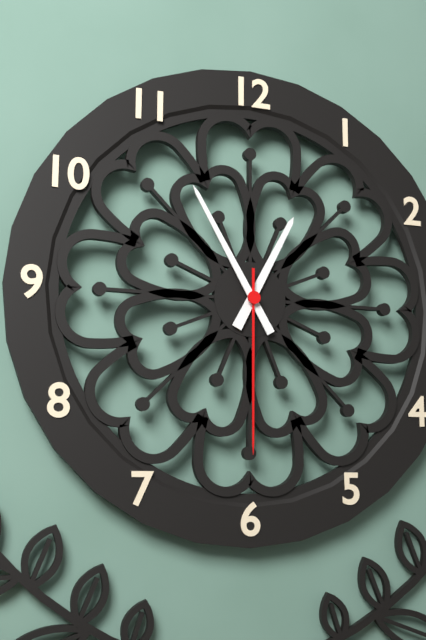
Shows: h=12 m=55 s=30
